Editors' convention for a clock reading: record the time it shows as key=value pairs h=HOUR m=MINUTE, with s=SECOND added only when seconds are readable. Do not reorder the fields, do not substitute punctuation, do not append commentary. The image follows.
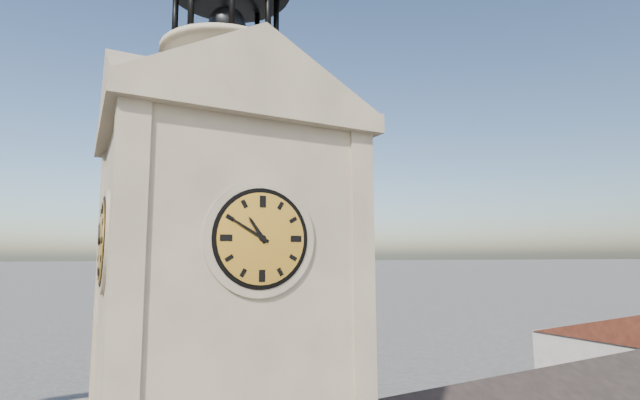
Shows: h=10 m=50
